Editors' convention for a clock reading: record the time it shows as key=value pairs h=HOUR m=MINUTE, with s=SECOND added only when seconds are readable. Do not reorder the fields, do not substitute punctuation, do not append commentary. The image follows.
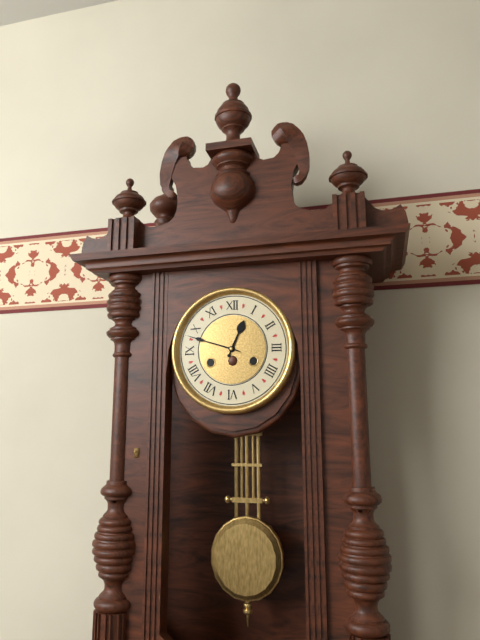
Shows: h=12 m=48
